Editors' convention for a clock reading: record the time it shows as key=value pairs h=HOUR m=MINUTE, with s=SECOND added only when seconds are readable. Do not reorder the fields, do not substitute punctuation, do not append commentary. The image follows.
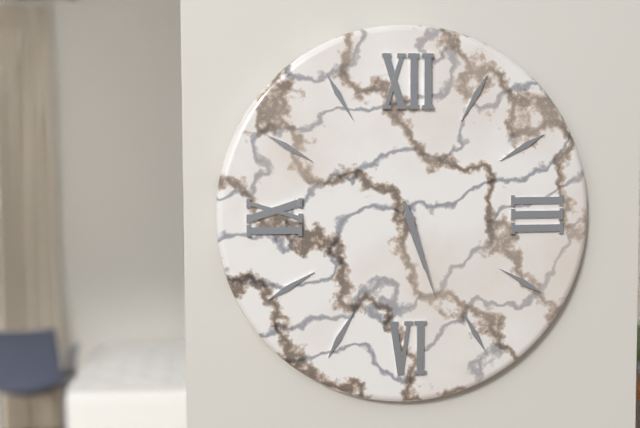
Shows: h=5 m=27
